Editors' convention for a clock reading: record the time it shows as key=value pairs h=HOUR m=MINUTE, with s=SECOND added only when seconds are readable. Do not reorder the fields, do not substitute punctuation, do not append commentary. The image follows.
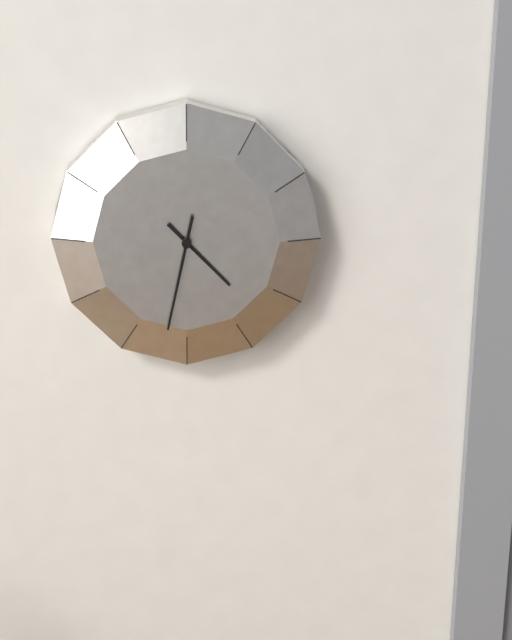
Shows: h=4 m=32
